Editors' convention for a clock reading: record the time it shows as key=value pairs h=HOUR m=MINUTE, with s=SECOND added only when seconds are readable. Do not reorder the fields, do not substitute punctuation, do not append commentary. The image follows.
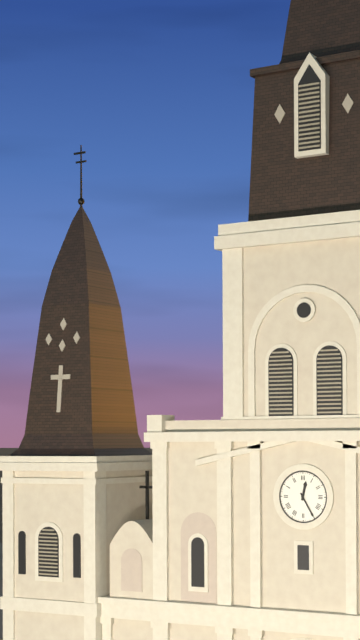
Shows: h=12 m=25
